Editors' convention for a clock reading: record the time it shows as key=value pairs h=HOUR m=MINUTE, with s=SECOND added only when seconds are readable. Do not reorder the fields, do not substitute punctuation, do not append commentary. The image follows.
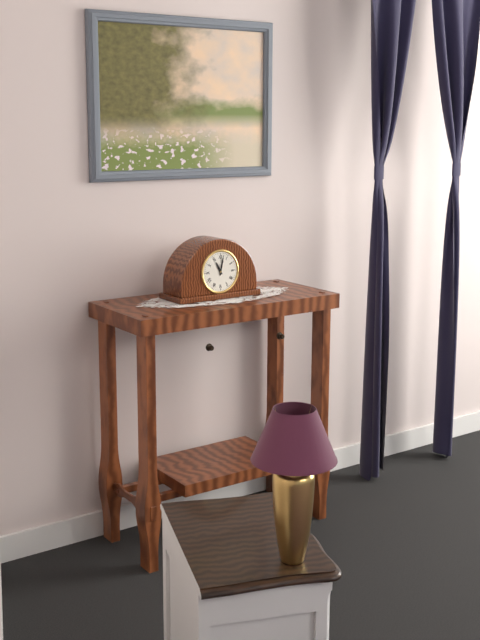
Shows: h=11 m=2
